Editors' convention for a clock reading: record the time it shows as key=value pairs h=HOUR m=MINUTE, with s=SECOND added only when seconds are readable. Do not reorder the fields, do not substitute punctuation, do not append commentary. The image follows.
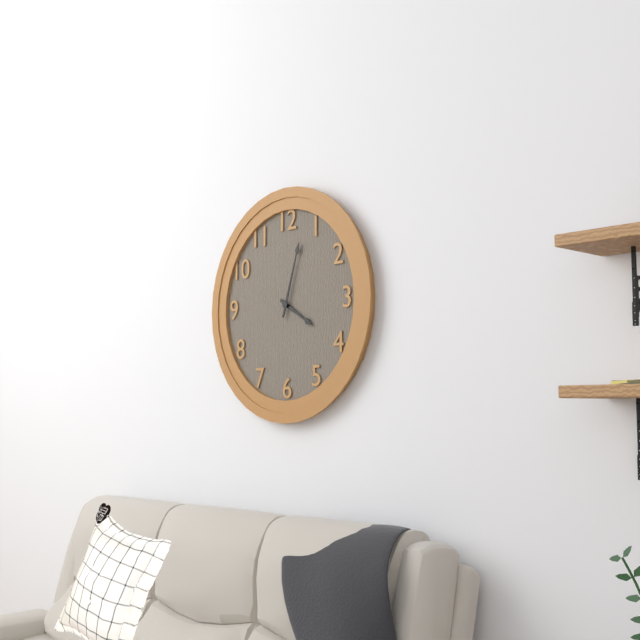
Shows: h=4 m=3
